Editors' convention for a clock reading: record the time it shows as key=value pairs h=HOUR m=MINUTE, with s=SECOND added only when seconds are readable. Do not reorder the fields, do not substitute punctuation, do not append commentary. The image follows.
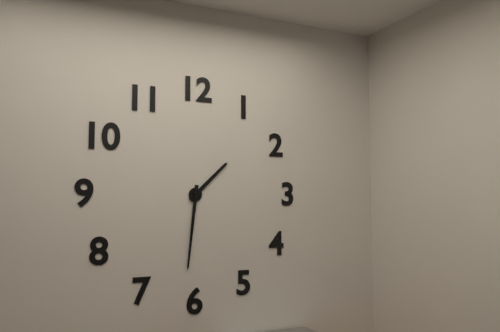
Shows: h=1 m=31
